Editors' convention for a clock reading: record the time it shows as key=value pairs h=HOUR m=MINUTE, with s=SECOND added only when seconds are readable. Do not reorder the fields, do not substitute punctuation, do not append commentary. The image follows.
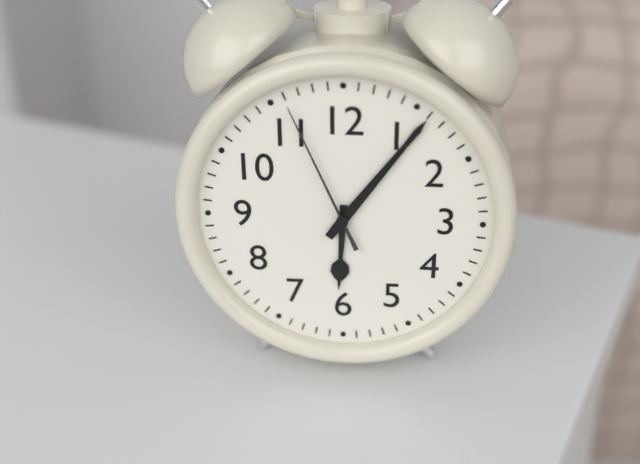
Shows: h=6 m=6 s=56
